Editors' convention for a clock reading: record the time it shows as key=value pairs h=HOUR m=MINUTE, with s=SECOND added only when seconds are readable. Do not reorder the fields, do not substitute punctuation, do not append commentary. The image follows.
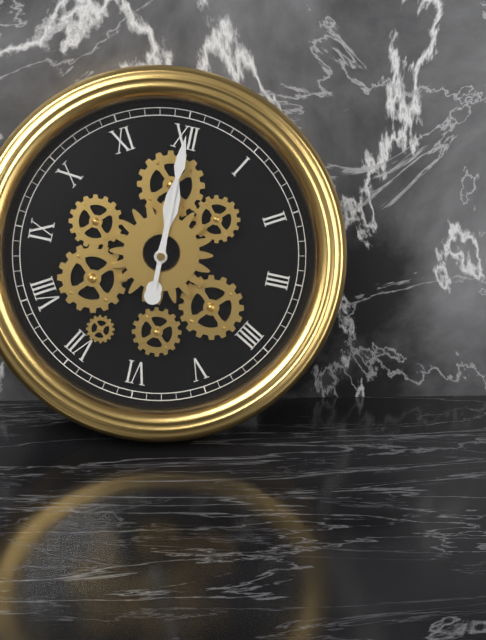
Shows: h=12 m=0
